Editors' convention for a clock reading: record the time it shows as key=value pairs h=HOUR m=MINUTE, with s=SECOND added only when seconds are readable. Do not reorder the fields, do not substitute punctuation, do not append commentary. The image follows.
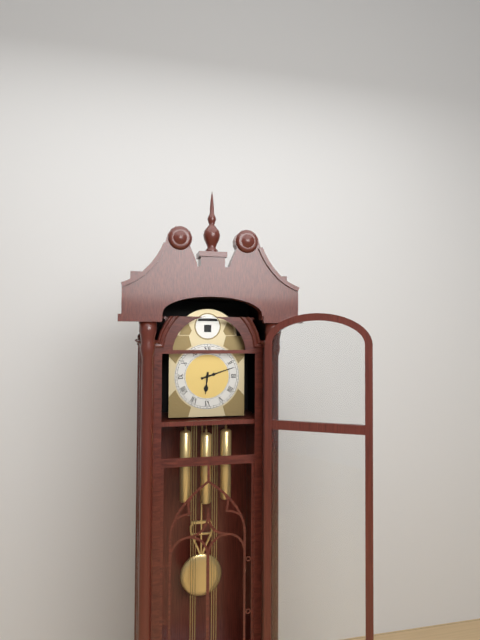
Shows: h=6 m=12
